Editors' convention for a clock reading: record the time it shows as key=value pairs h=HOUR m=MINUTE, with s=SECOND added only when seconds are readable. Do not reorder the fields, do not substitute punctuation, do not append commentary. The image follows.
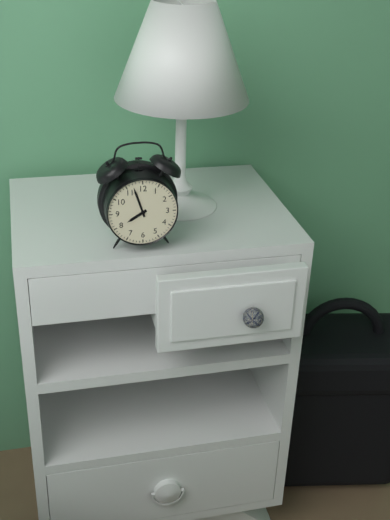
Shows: h=7 m=57
